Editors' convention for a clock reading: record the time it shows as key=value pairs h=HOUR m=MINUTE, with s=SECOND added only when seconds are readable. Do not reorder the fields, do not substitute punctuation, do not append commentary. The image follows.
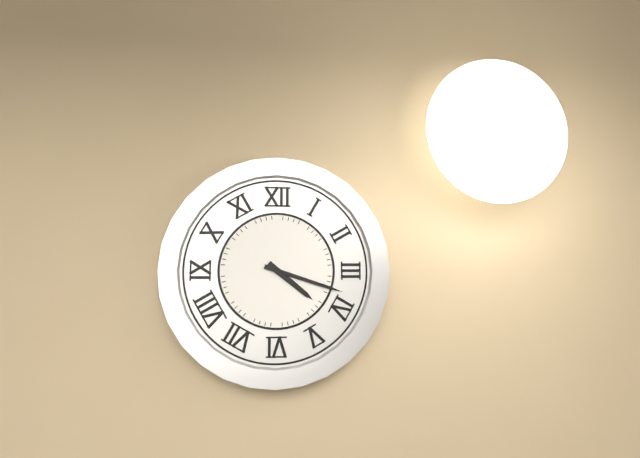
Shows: h=4 m=18
